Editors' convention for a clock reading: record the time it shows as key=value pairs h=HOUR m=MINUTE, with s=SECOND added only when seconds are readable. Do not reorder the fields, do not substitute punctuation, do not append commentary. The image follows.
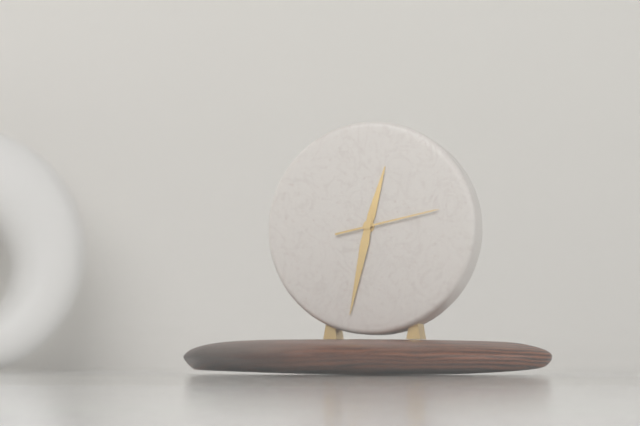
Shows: h=12 m=32 s=13
